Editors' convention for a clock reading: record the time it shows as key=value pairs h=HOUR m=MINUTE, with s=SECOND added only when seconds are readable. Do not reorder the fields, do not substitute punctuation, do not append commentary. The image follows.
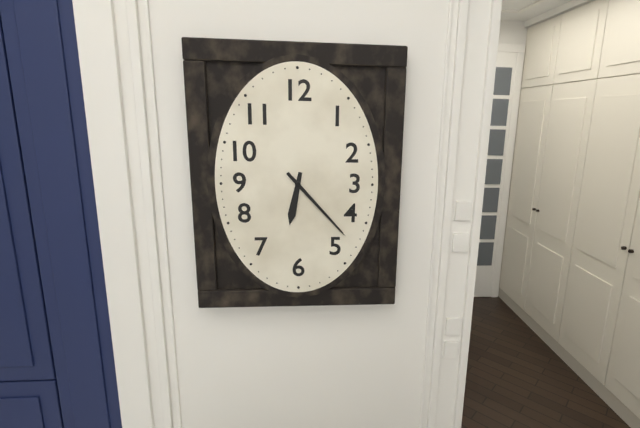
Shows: h=6 m=23
